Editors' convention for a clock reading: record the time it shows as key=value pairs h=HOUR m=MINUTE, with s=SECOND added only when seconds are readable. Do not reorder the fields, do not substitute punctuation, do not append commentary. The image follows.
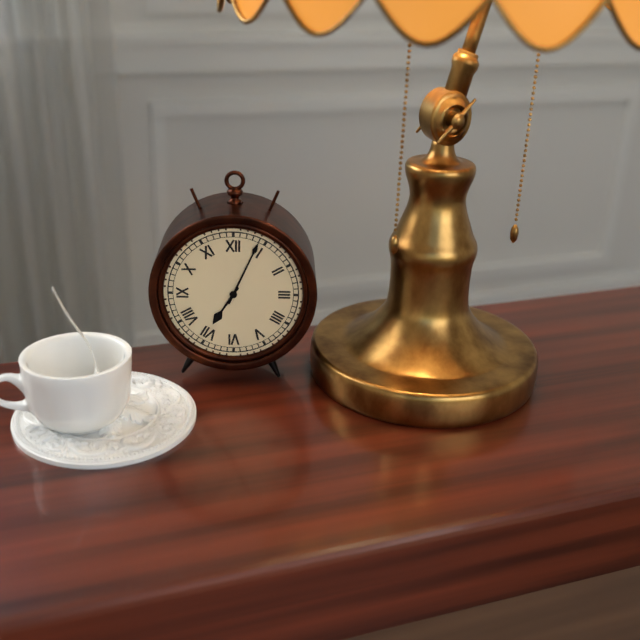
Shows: h=7 m=4
